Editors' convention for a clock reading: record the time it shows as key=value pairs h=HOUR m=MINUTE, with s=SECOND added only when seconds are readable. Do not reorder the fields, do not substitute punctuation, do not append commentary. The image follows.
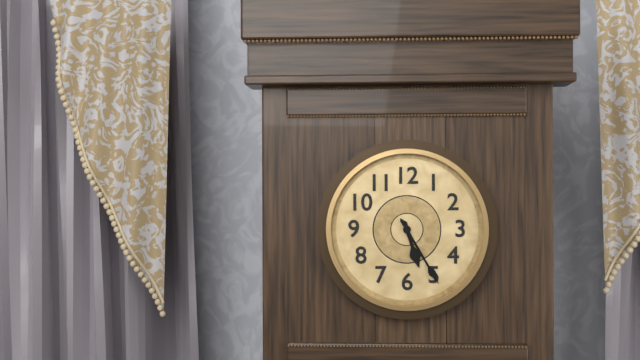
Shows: h=5 m=25
